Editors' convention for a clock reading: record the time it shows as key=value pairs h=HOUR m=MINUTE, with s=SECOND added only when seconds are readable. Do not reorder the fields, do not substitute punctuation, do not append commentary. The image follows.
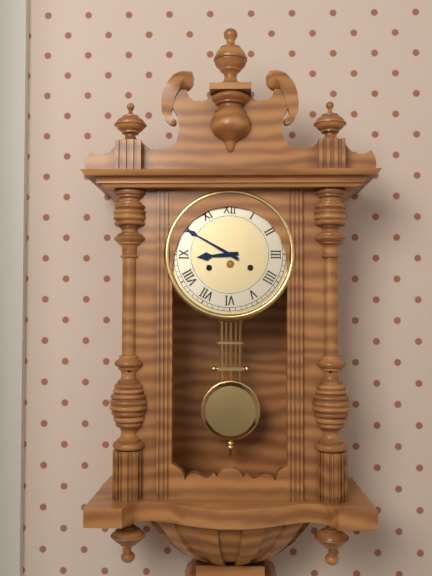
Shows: h=8 m=50
